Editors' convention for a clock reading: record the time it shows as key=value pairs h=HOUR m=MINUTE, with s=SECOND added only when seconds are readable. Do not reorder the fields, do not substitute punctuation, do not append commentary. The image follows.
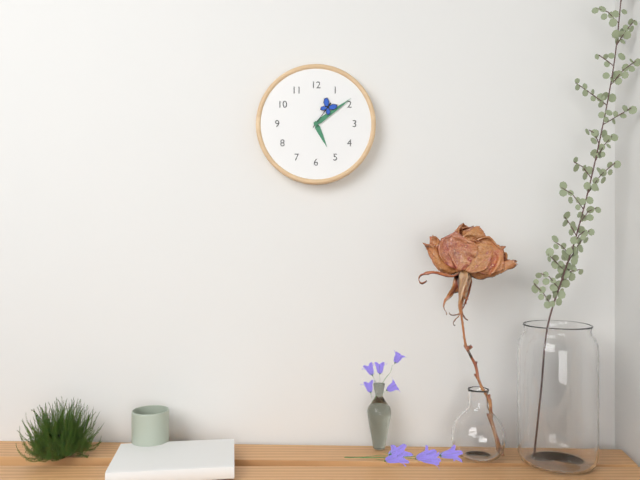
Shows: h=5 m=9
